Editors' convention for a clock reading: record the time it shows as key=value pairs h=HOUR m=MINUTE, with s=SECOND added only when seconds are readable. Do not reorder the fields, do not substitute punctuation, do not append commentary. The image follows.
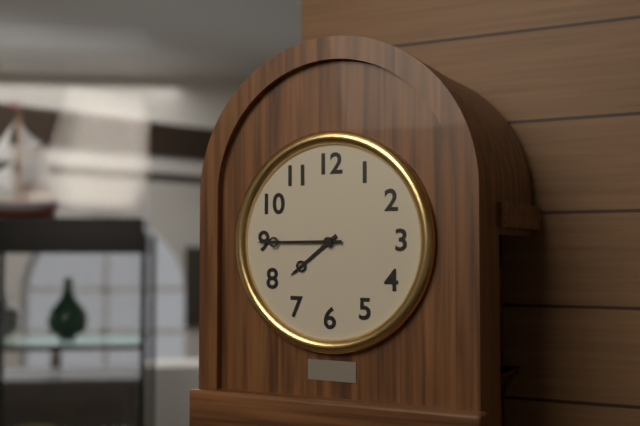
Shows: h=7 m=45
